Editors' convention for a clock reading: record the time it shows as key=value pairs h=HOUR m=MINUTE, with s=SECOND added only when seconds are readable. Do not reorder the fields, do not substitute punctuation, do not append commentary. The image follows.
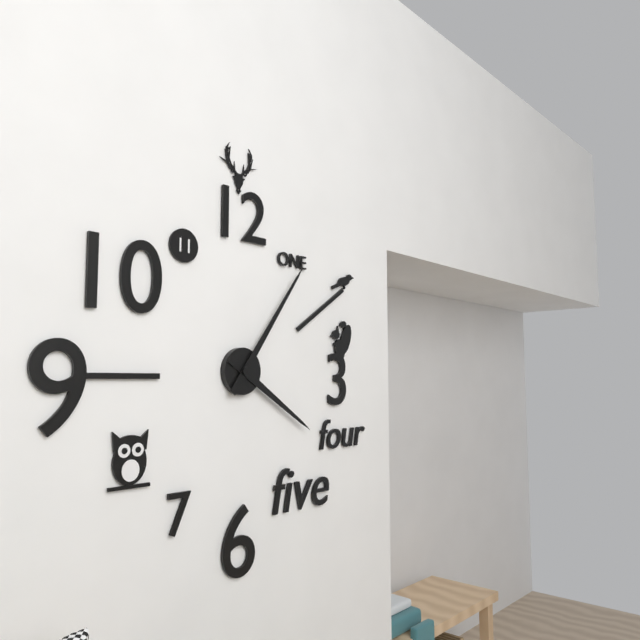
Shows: h=4 m=6
